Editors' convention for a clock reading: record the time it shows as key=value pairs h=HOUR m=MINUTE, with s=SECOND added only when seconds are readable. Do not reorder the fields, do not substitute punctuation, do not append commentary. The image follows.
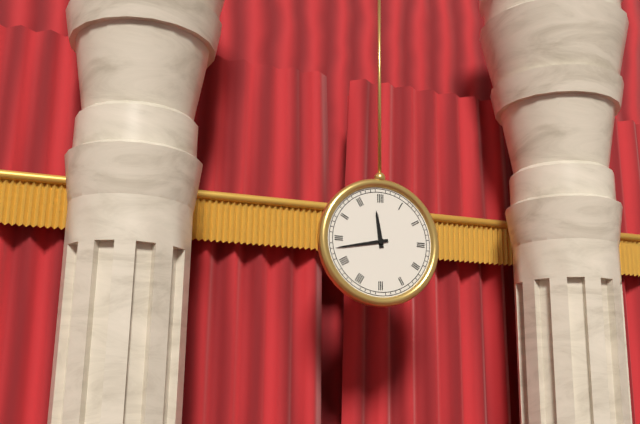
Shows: h=11 m=43
